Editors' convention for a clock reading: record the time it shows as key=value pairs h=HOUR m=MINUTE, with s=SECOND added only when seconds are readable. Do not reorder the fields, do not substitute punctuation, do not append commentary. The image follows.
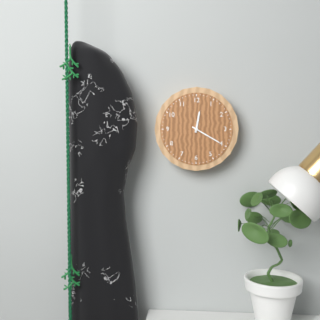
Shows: h=12 m=20
